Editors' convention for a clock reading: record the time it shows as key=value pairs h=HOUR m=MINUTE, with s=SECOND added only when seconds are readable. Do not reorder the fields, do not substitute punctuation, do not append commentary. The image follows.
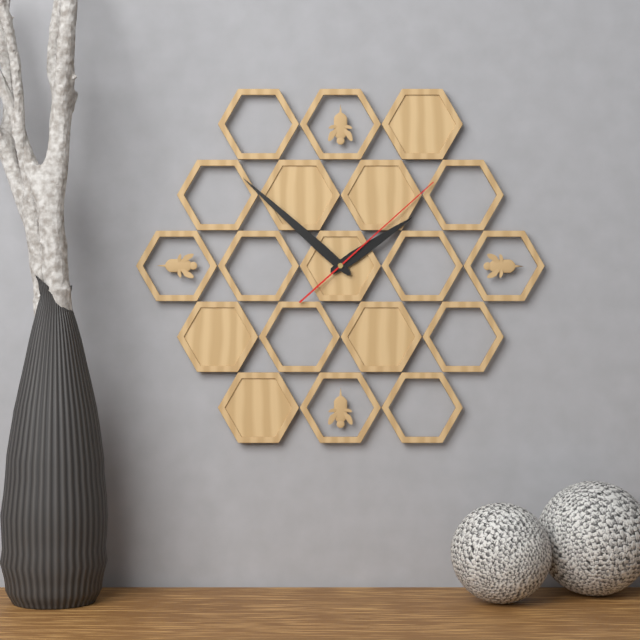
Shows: h=1 m=52 s=8
